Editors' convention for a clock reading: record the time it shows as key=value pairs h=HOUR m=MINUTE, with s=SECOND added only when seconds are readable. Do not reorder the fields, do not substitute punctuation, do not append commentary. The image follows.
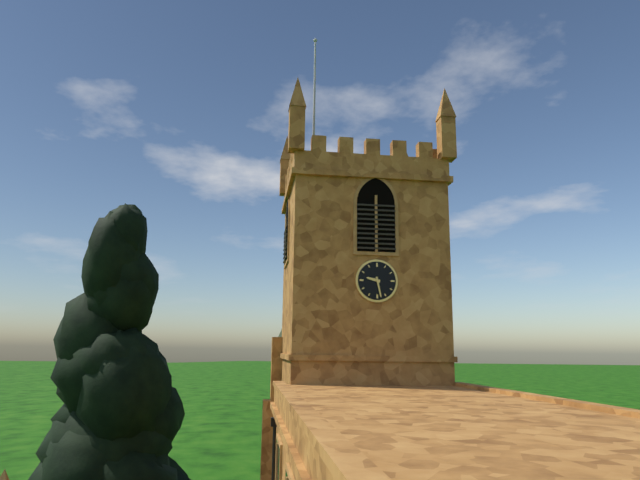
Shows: h=9 m=28
